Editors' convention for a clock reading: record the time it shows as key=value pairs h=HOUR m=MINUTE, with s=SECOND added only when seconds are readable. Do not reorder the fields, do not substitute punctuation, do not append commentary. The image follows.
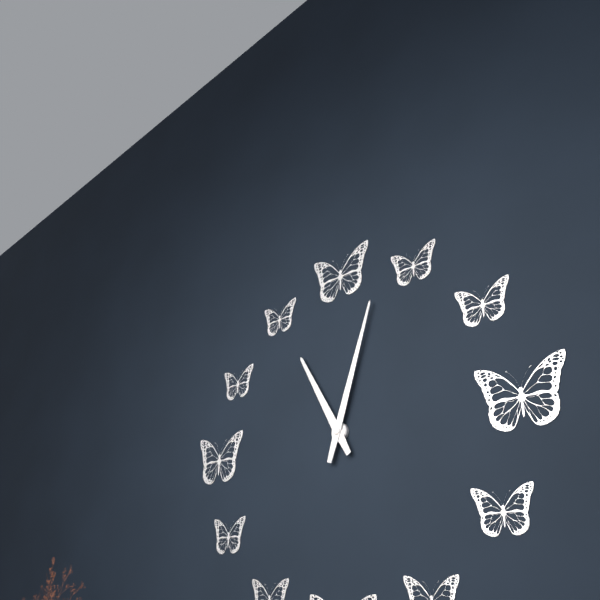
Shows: h=11 m=3
